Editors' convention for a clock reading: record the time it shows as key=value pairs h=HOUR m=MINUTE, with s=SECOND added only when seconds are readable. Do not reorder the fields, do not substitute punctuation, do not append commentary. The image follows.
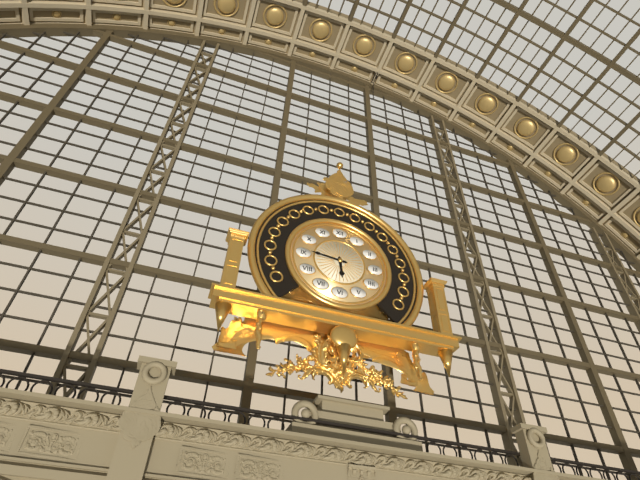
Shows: h=5 m=46
